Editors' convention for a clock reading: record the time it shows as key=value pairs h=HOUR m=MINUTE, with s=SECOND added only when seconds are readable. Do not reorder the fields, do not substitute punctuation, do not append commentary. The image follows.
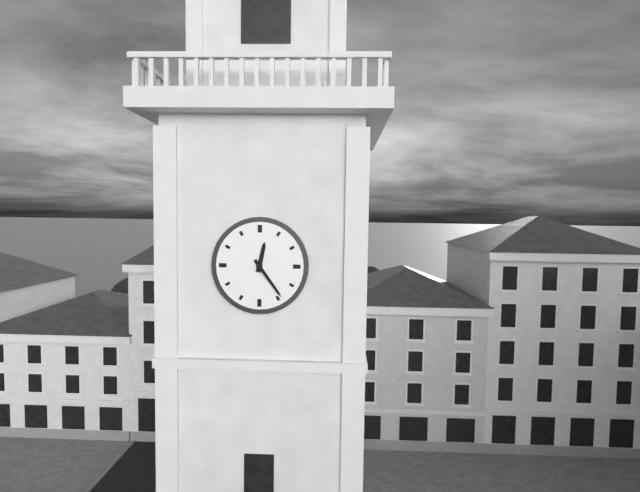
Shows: h=12 m=24
